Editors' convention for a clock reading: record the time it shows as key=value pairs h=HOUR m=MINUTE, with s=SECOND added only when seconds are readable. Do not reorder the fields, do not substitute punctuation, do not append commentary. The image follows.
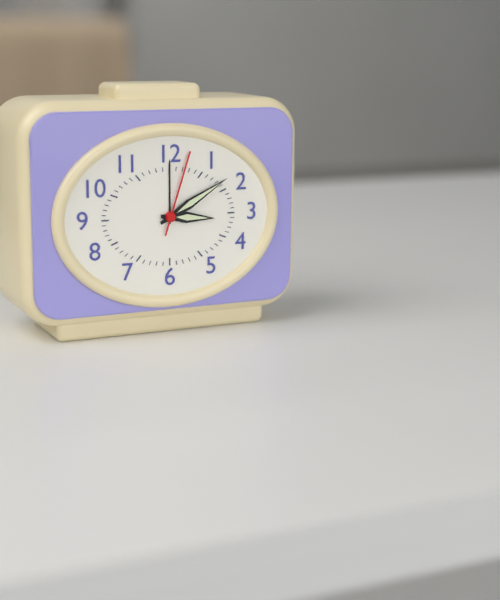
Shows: h=3 m=10 s=3
